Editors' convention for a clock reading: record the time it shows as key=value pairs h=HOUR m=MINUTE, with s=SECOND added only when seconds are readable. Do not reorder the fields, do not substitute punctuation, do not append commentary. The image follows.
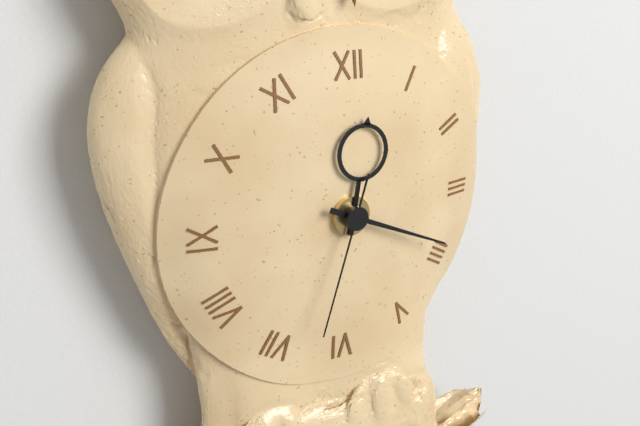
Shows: h=12 m=19 s=33
